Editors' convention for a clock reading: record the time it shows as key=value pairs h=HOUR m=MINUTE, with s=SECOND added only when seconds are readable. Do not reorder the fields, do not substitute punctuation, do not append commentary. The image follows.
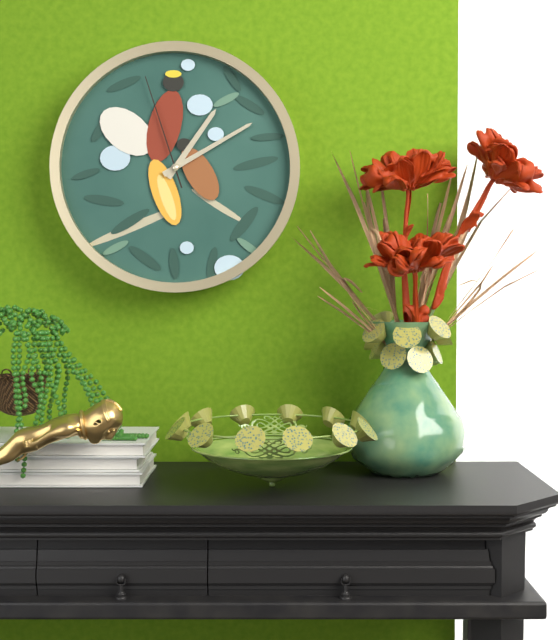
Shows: h=1 m=10 s=57
